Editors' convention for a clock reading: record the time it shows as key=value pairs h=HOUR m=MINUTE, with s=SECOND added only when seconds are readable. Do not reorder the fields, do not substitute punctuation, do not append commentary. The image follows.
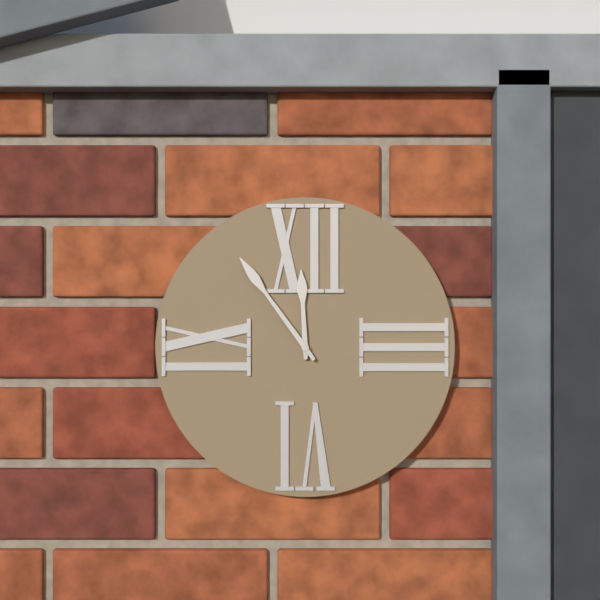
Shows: h=11 m=54
